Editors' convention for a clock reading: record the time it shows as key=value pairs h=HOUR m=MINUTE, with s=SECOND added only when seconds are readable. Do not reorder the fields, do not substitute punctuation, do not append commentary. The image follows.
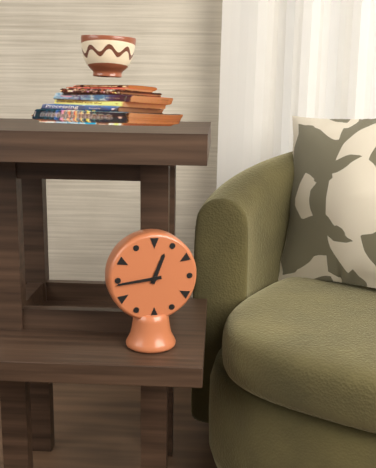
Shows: h=12 m=44
